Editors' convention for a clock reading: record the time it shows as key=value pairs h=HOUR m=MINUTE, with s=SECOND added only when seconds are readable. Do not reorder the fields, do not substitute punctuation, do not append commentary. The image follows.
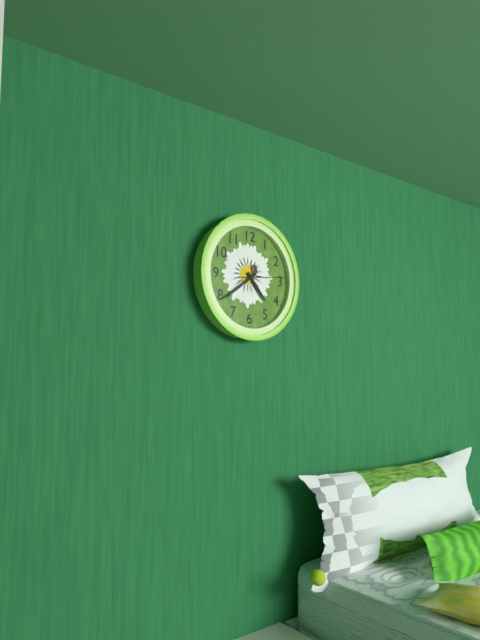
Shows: h=4 m=39
